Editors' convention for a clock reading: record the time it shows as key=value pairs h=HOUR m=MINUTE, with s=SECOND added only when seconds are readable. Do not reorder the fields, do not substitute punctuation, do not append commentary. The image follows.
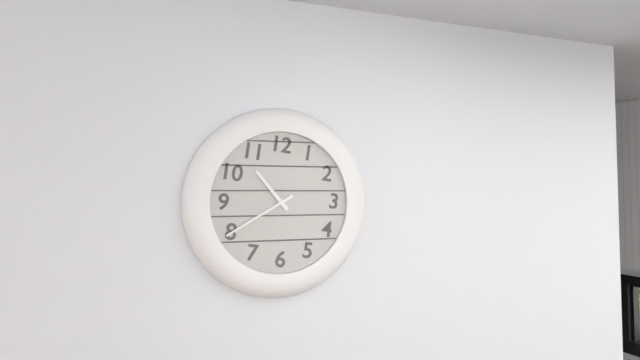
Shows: h=10 m=40
